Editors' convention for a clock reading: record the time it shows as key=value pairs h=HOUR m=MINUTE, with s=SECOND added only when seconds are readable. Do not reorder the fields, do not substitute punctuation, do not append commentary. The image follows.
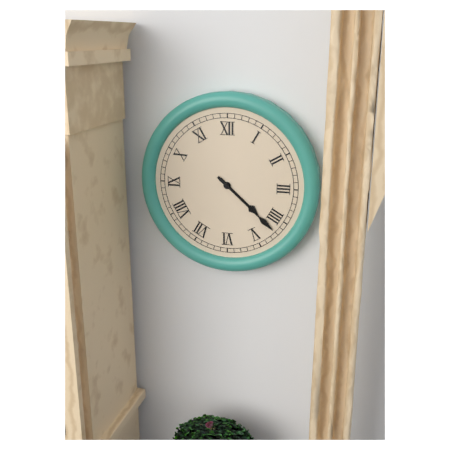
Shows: h=4 m=22
